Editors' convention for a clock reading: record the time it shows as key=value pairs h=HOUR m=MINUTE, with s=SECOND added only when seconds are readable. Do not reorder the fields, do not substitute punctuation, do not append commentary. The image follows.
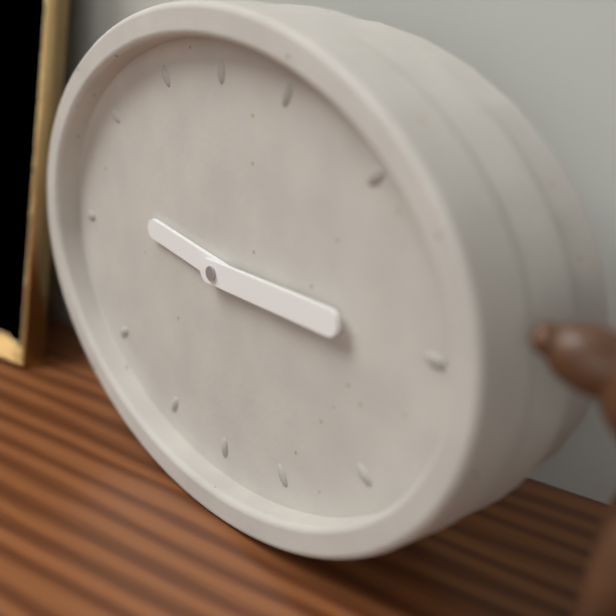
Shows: h=9 m=15
